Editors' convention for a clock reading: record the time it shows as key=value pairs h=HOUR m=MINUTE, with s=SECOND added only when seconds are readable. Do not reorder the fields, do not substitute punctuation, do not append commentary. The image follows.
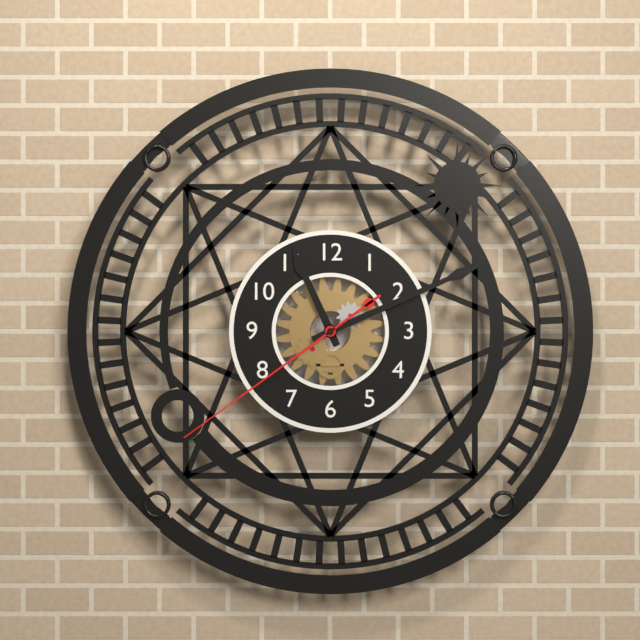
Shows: h=11 m=11 s=39
